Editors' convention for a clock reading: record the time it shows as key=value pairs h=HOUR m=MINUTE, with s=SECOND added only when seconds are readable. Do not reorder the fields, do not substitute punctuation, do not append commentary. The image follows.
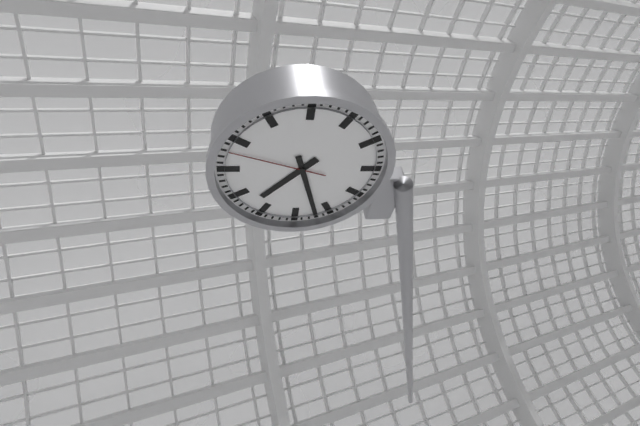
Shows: h=7 m=27 s=48
